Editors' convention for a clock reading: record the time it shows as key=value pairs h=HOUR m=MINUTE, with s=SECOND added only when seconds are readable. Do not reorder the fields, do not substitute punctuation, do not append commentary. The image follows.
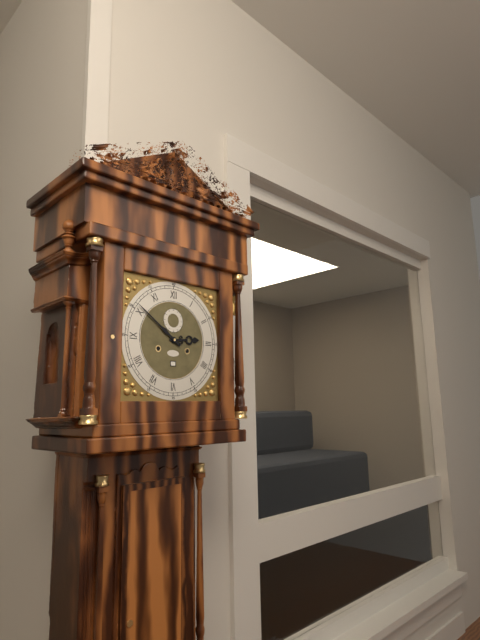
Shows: h=2 m=51
